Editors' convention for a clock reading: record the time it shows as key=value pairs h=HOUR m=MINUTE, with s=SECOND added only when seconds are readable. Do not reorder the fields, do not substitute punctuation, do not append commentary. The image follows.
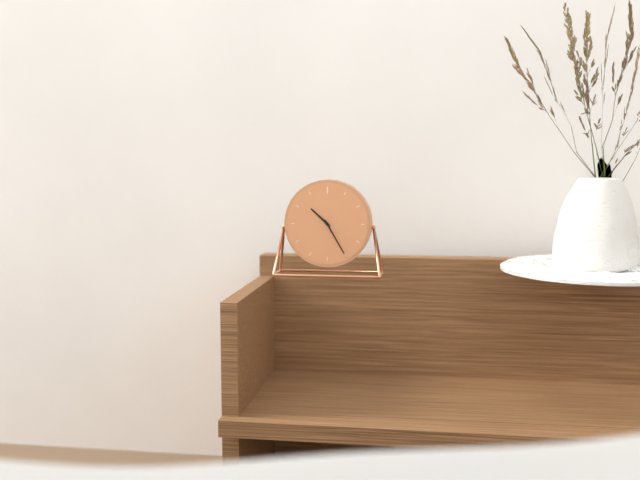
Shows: h=10 m=25
